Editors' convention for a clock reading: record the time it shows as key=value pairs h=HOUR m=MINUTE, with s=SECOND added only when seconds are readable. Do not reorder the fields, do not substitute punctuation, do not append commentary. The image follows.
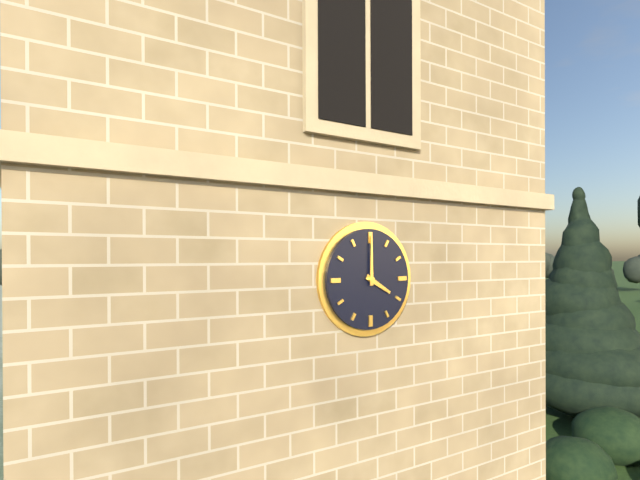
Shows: h=4 m=0
